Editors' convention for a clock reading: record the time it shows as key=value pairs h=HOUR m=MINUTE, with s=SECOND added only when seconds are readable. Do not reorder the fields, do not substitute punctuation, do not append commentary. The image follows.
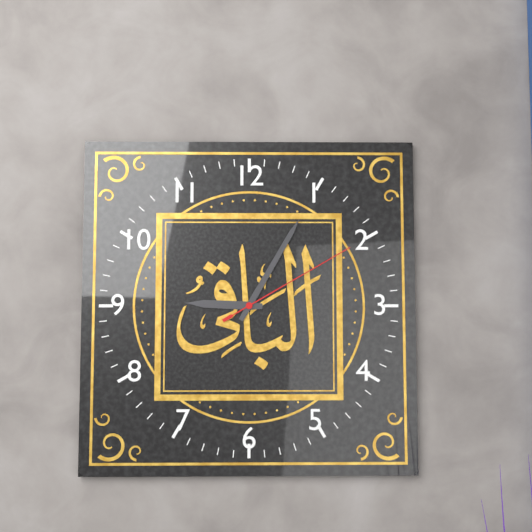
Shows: h=9 m=5 s=10
